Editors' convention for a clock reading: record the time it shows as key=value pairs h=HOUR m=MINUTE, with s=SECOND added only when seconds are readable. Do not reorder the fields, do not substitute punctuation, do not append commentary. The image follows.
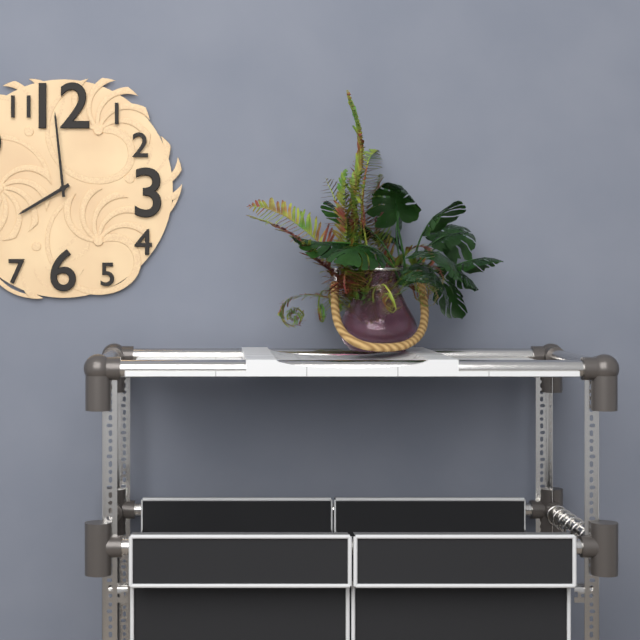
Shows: h=7 m=59
